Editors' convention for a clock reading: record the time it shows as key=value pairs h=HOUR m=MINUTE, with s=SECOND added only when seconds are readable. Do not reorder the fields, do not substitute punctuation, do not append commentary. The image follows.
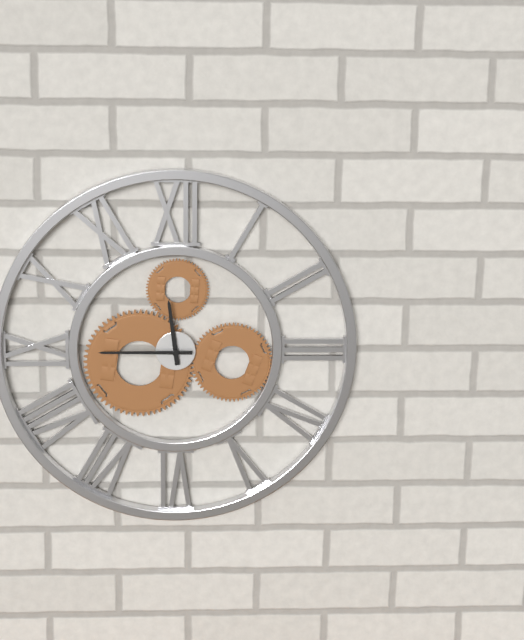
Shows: h=11 m=45
